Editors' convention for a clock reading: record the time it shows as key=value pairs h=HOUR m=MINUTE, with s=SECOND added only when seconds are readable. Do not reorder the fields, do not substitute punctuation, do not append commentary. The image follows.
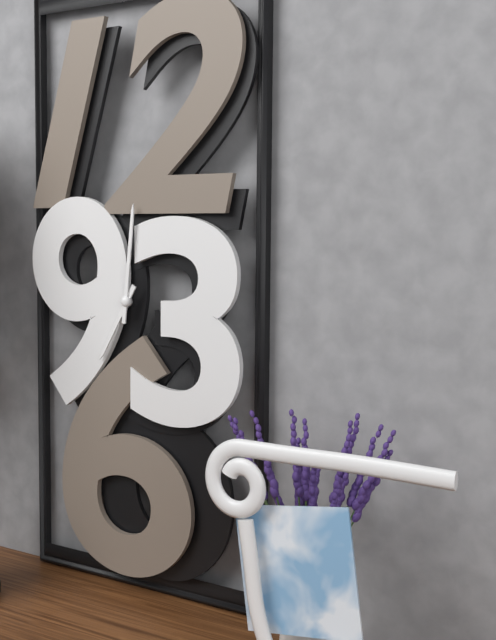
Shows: h=7 m=1
